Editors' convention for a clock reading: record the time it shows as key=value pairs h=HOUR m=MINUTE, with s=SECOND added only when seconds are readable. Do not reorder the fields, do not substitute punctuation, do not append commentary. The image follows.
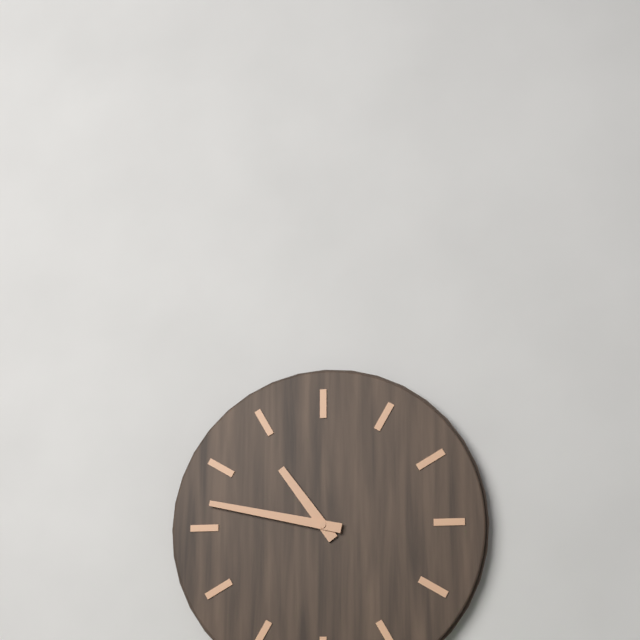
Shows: h=10 m=47
